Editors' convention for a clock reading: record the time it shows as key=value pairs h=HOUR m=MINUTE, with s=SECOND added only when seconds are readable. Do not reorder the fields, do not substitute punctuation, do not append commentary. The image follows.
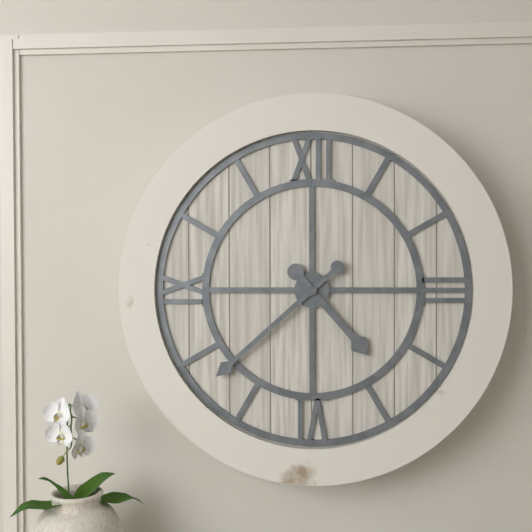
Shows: h=4 m=38
